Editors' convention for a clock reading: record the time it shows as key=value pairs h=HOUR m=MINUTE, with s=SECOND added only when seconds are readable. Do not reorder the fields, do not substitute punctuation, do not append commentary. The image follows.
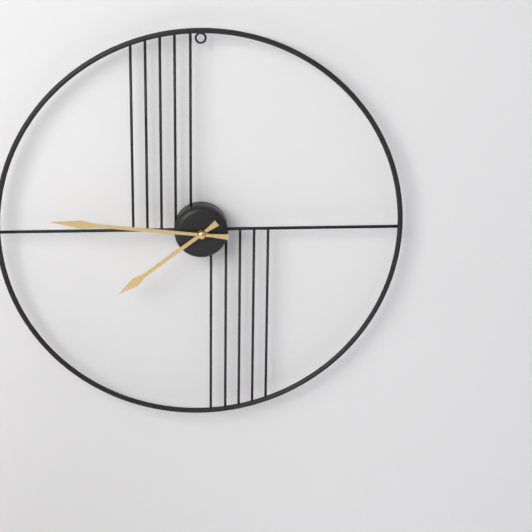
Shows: h=7 m=46
